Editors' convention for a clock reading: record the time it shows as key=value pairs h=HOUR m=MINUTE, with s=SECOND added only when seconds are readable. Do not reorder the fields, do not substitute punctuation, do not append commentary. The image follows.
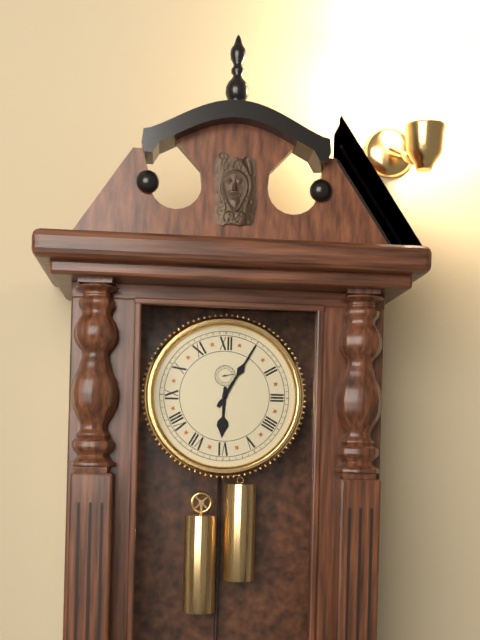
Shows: h=6 m=5
